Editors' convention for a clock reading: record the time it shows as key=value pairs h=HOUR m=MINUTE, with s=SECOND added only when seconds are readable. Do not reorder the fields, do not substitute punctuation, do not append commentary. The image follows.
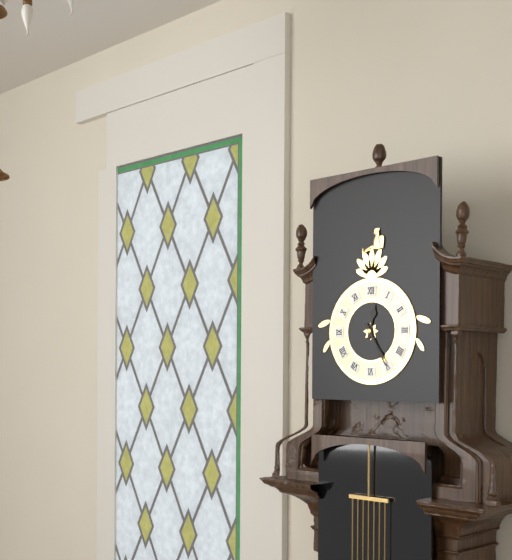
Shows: h=12 m=25
